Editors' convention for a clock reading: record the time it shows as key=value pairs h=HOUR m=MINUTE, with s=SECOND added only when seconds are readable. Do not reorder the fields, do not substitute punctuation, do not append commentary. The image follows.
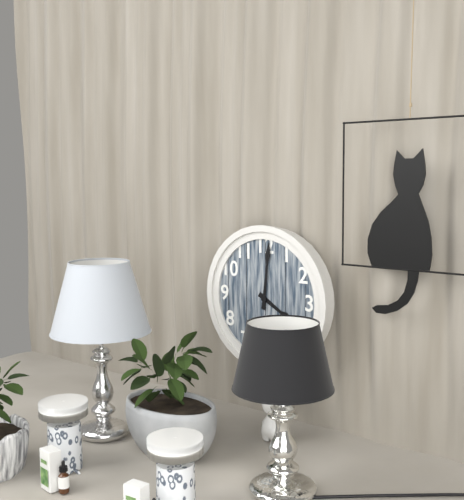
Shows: h=4 m=1
